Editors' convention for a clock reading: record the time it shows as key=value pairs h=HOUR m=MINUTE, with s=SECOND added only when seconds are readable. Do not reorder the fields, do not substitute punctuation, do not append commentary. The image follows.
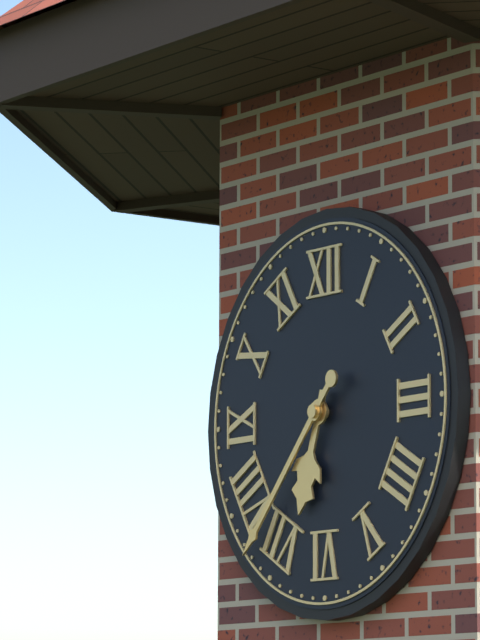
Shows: h=6 m=37
